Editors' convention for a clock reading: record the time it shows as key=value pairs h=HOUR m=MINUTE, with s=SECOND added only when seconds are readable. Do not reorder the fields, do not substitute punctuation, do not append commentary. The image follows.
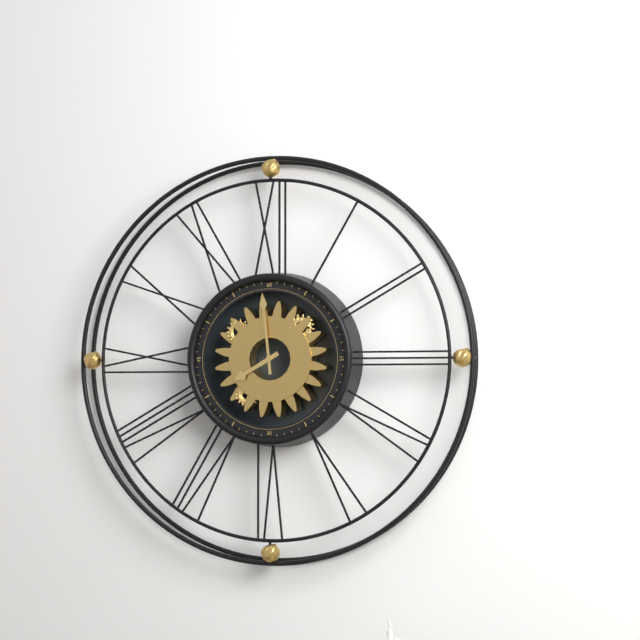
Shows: h=7 m=59
